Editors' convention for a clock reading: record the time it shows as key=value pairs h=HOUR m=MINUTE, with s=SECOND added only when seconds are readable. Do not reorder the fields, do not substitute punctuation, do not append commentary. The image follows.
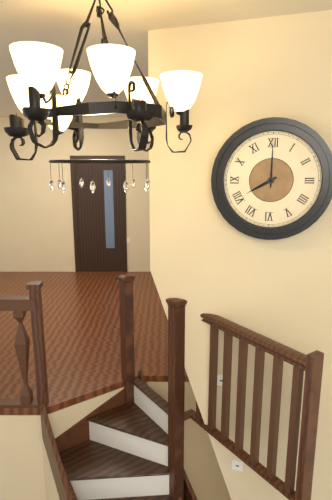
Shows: h=8 m=0
